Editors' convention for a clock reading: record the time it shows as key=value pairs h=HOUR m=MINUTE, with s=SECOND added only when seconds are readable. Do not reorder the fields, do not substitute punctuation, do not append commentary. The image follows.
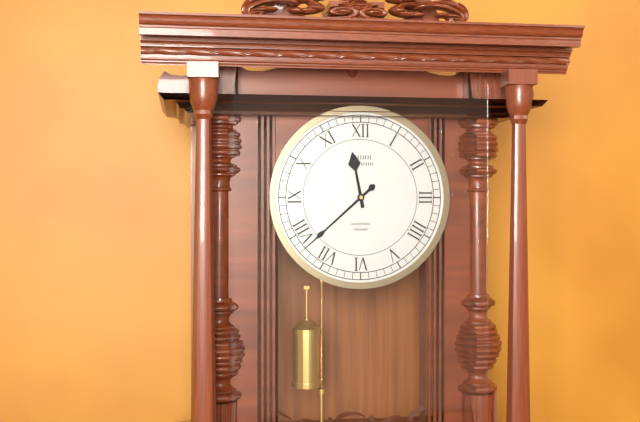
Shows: h=11 m=38
